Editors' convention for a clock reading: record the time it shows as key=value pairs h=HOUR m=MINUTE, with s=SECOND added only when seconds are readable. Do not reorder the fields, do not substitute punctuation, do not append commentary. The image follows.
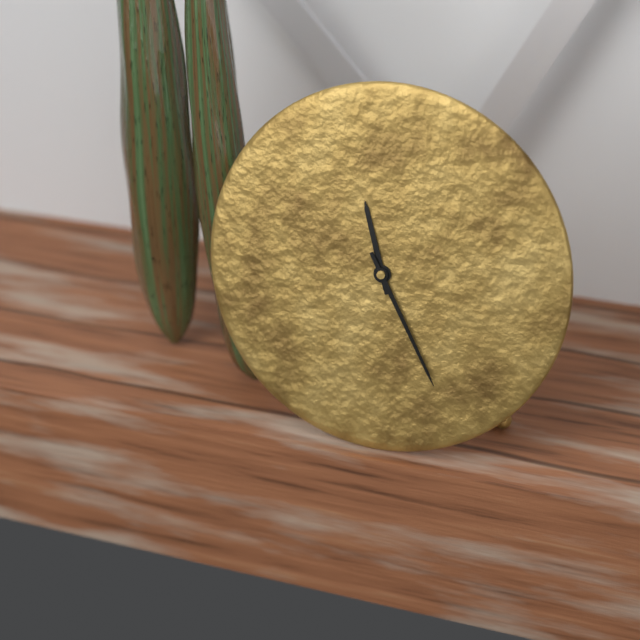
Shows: h=11 m=25
